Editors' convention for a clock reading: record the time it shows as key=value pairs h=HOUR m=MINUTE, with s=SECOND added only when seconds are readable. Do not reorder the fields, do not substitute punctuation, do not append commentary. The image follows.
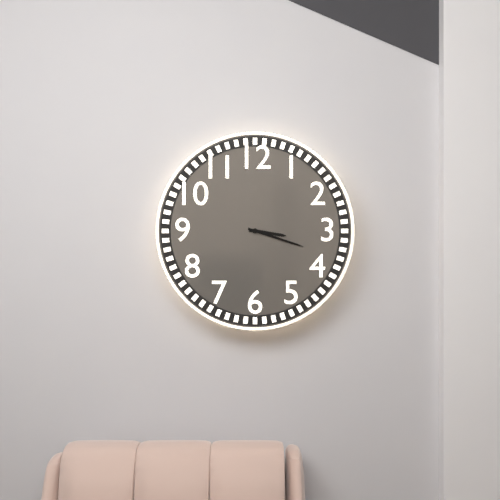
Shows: h=3 m=18
